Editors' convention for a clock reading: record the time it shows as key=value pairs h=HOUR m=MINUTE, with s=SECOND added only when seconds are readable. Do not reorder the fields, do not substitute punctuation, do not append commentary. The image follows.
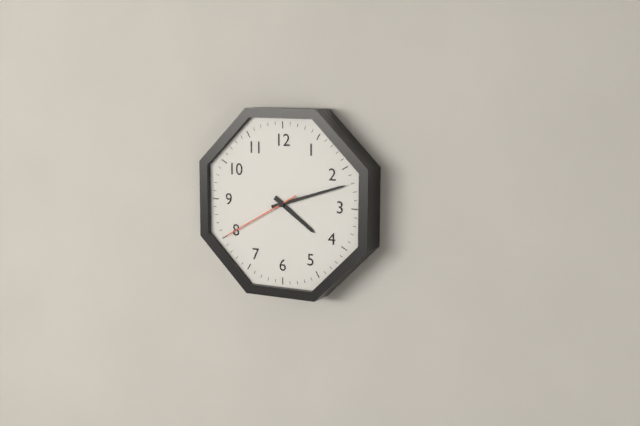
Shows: h=4 m=12 s=40
